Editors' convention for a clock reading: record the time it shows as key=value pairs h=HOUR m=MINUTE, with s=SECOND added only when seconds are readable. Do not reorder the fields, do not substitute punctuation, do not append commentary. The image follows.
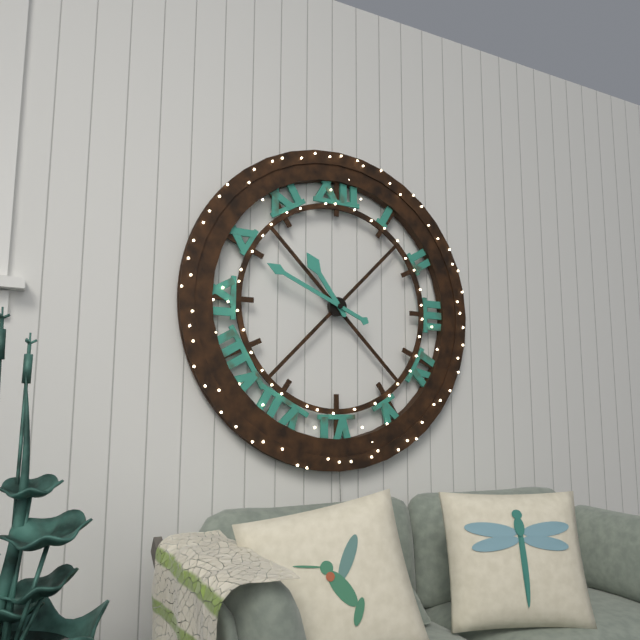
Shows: h=10 m=49
